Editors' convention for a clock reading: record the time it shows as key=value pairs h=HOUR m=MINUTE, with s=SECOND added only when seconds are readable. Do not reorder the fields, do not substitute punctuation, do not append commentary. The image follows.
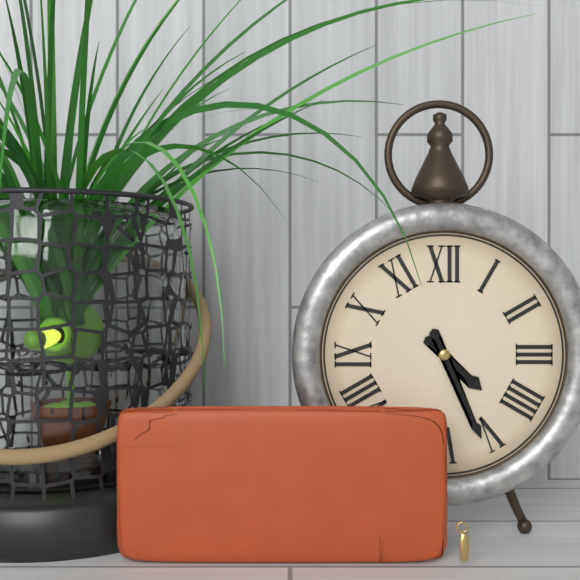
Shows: h=4 m=26
